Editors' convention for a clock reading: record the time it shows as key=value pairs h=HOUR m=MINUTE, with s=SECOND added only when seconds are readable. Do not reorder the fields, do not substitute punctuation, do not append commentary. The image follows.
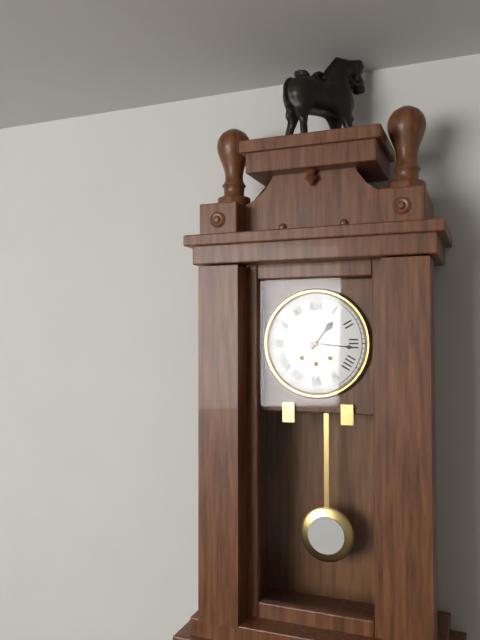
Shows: h=1 m=16
